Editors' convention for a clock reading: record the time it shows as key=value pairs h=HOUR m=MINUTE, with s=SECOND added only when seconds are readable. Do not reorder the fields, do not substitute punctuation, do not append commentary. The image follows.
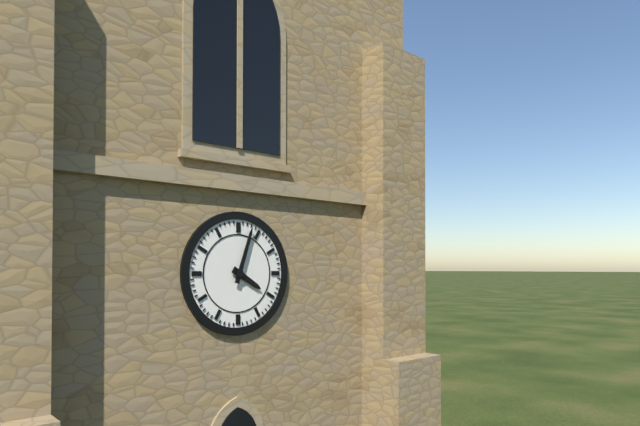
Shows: h=4 m=3
